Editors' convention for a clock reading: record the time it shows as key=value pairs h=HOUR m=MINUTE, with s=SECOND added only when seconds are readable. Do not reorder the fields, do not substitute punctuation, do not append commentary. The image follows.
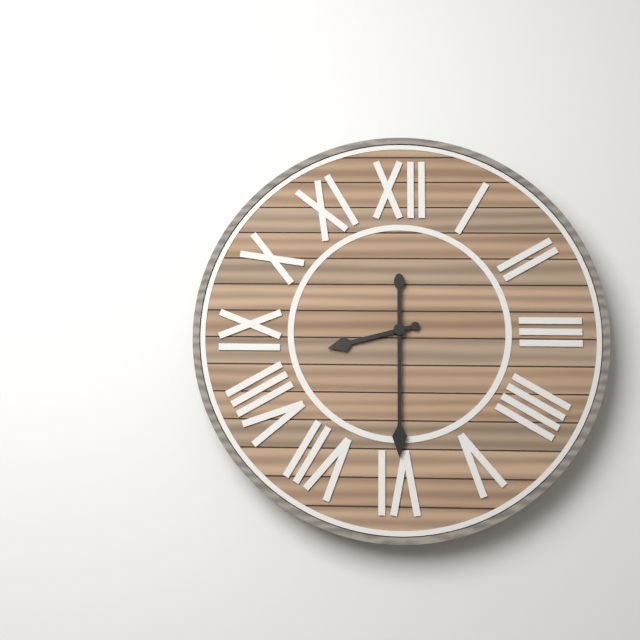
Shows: h=8 m=30
